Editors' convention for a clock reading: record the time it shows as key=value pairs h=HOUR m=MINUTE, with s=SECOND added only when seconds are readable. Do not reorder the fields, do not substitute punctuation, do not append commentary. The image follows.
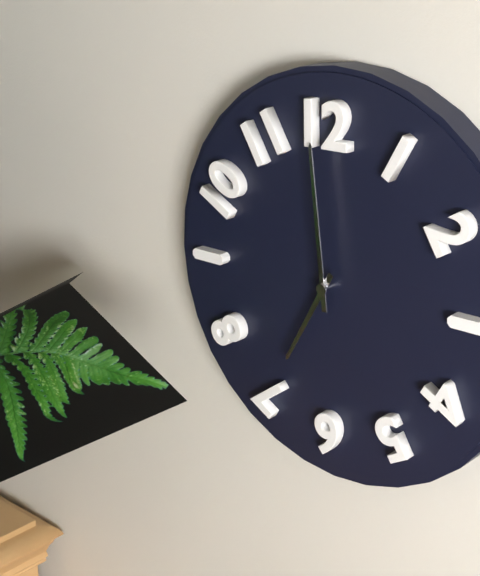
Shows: h=6 m=59
